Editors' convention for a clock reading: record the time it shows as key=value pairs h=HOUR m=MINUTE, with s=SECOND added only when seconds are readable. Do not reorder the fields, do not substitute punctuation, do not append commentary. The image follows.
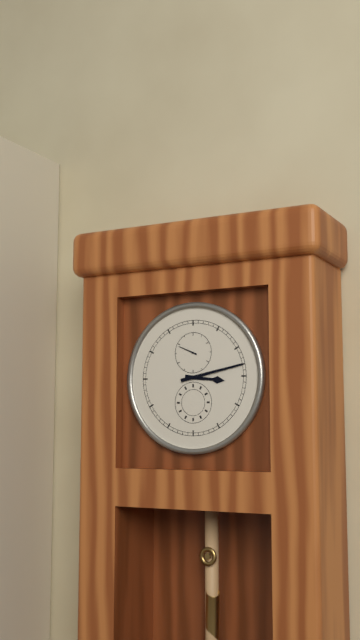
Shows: h=3 m=13
